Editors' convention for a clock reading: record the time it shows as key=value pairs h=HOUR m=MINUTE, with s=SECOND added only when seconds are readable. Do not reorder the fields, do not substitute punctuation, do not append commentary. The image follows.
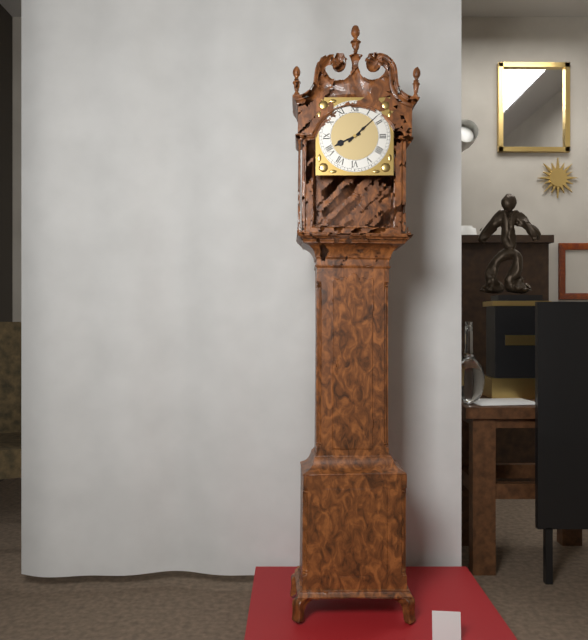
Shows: h=8 m=8
